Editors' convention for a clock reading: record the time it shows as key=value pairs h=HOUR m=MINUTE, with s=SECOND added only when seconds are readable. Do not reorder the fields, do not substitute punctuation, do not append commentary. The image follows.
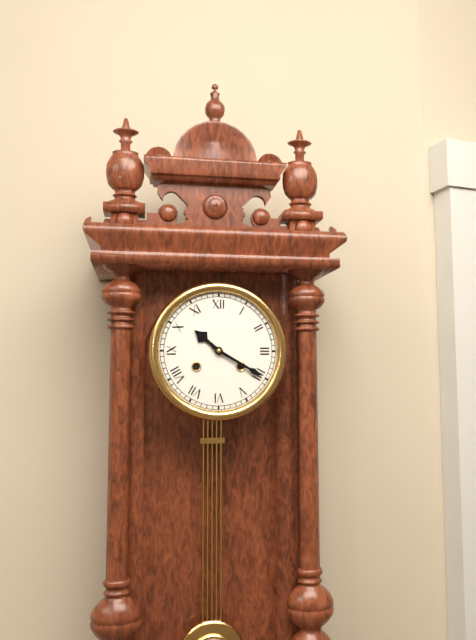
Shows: h=10 m=20
